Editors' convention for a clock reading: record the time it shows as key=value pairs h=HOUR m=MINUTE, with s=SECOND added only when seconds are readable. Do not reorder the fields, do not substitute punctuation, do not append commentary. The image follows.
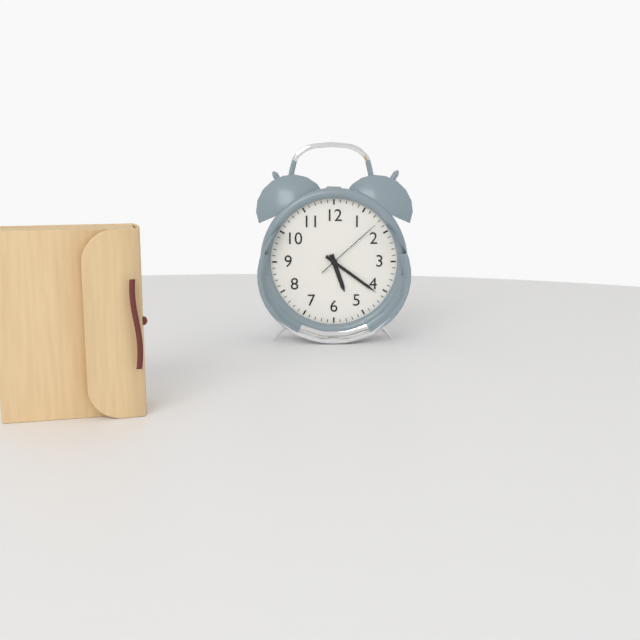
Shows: h=5 m=21 s=8
